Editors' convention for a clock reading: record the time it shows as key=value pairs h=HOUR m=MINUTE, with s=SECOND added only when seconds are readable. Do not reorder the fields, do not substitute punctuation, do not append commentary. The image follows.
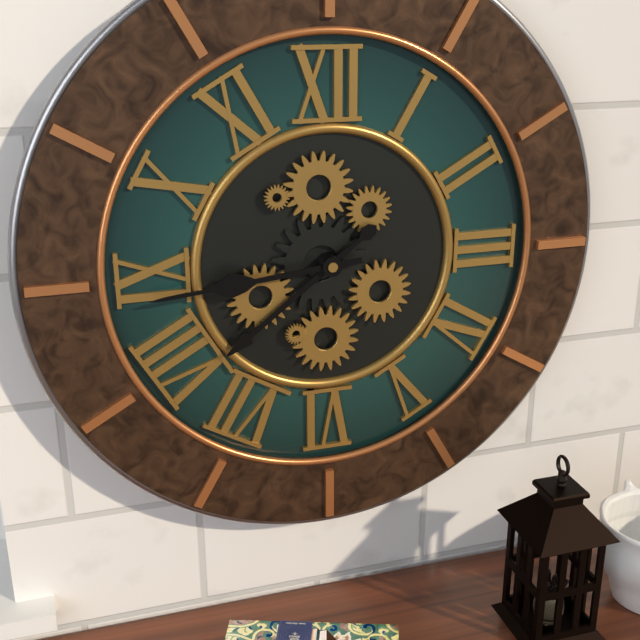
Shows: h=7 m=44
